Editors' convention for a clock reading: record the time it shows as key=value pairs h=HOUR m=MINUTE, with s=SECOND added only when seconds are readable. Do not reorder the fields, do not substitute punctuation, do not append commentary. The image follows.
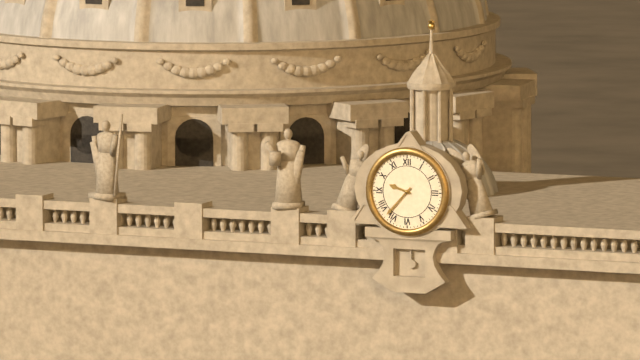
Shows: h=9 m=37
